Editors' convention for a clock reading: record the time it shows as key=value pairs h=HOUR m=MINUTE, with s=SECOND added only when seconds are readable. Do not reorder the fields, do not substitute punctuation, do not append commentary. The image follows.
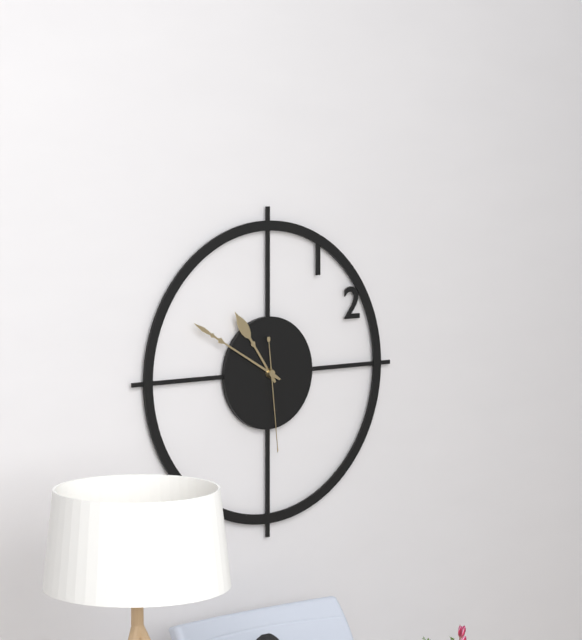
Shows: h=10 m=50 s=29
